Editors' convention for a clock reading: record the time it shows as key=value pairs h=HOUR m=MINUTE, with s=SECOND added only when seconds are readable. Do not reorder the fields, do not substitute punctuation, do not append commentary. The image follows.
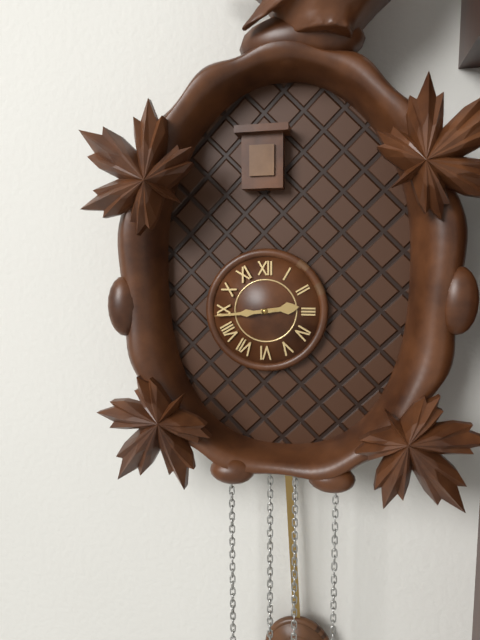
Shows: h=2 m=44
